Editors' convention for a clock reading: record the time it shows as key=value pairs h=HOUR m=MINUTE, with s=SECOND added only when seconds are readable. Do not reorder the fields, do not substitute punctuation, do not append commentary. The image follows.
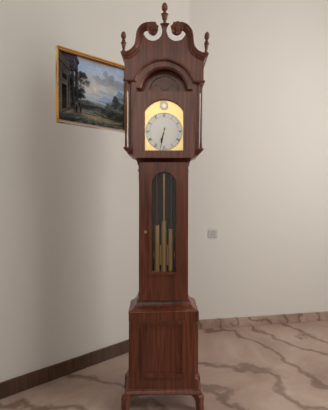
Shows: h=6 m=32
